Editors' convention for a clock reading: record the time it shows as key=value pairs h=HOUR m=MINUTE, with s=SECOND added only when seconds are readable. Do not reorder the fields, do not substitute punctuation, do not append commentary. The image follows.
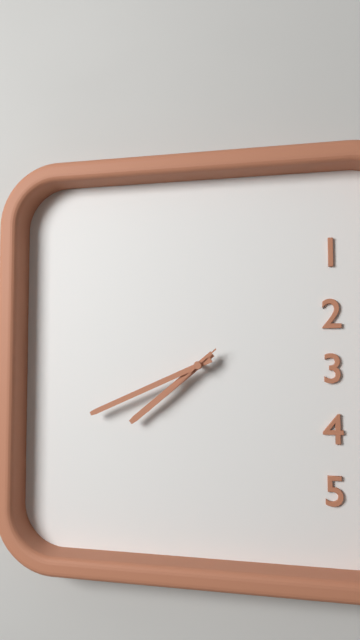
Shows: h=7 m=41 s=38
